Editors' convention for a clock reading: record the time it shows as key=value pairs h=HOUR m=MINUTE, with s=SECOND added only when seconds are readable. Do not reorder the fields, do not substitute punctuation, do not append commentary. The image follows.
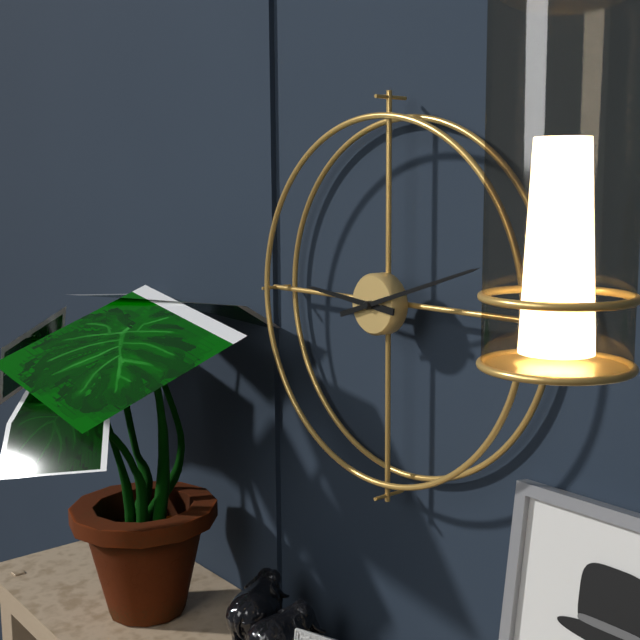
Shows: h=9 m=12
